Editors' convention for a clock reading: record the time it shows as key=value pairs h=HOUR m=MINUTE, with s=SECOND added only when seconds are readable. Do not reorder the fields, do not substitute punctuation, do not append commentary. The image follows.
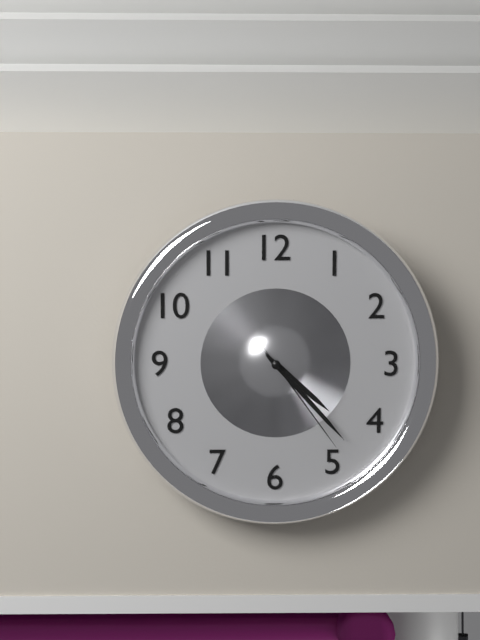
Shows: h=4 m=23 s=24
